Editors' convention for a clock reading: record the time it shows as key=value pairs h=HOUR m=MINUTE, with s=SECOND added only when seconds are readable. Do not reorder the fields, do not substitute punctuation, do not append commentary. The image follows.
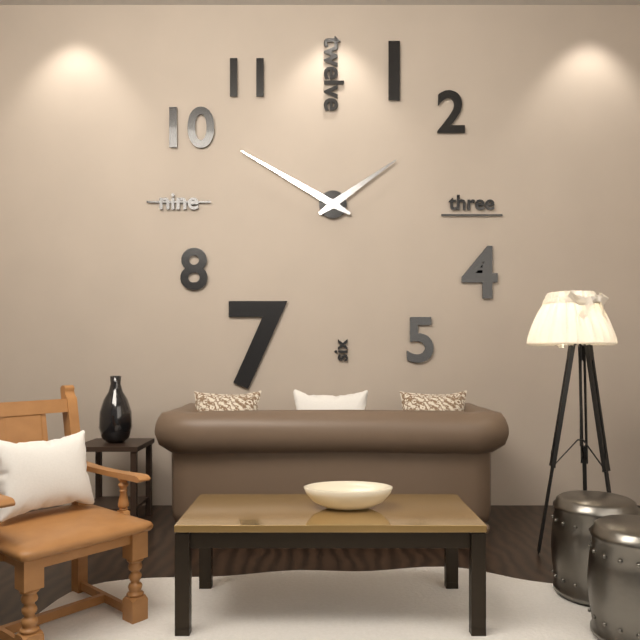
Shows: h=1 m=50
